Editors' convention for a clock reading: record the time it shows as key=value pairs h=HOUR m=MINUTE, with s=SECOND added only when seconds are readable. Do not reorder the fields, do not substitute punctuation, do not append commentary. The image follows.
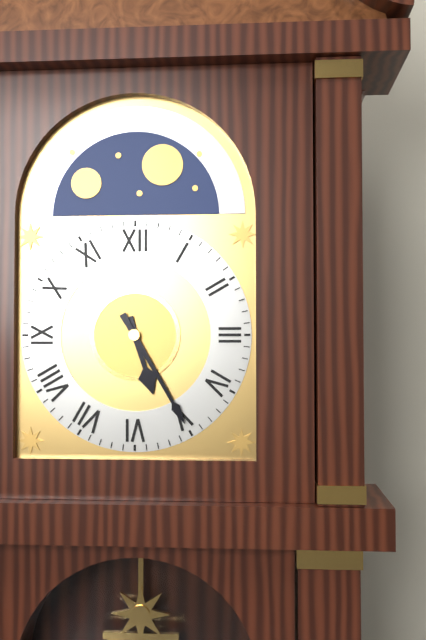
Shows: h=5 m=25
